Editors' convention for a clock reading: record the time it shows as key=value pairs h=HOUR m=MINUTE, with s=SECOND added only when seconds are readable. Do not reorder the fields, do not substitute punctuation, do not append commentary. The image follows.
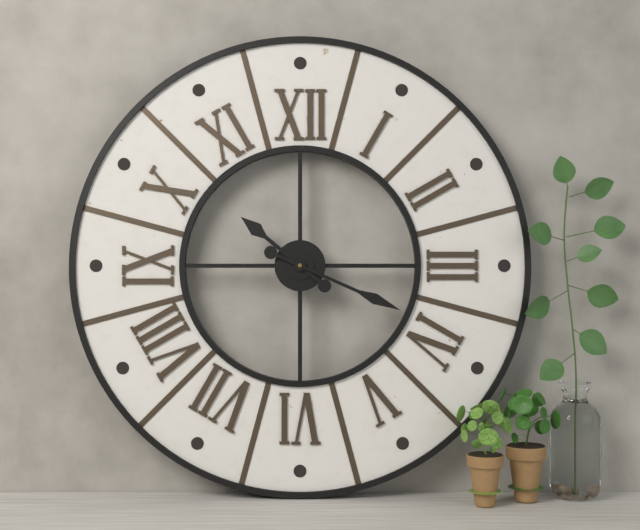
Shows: h=10 m=19
